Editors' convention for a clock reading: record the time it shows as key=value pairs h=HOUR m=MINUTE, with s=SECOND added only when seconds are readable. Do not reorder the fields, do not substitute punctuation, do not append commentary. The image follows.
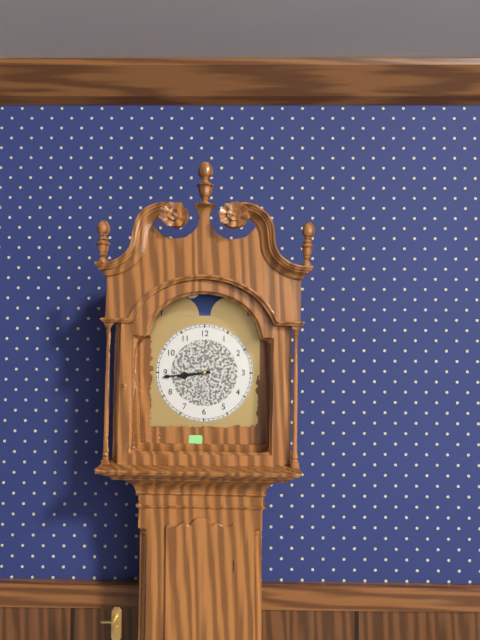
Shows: h=8 m=44
